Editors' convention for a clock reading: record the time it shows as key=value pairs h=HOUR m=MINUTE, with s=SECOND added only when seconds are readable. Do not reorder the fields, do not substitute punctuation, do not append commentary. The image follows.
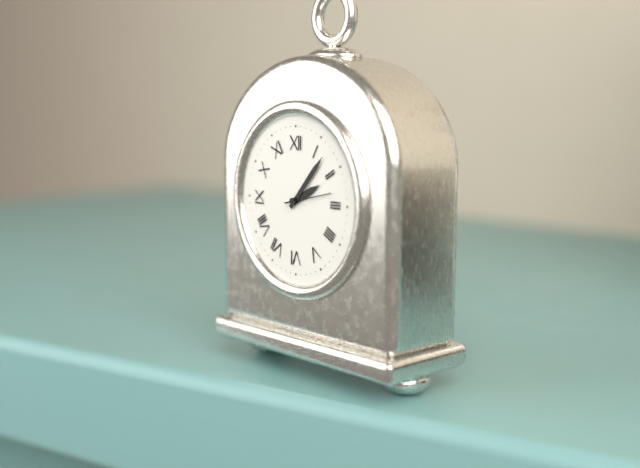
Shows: h=2 m=7
